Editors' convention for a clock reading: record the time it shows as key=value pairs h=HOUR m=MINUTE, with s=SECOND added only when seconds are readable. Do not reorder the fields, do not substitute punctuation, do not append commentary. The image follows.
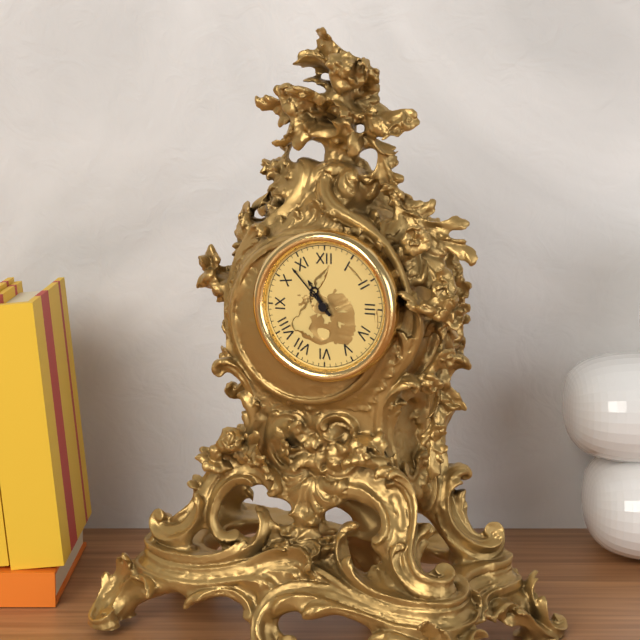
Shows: h=10 m=53
